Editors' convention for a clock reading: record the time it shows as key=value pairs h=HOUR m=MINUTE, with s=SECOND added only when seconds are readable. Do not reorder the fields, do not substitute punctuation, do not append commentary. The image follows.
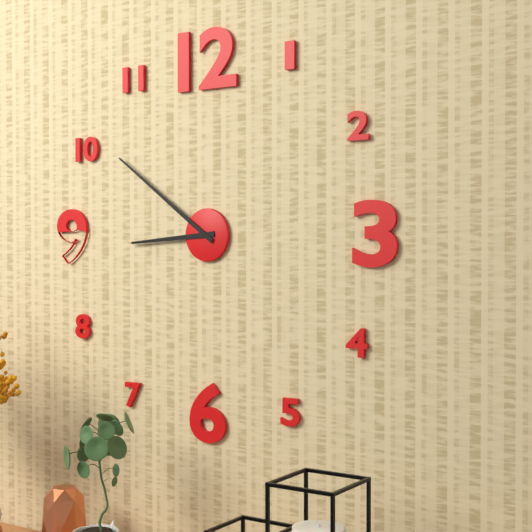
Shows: h=8 m=51
